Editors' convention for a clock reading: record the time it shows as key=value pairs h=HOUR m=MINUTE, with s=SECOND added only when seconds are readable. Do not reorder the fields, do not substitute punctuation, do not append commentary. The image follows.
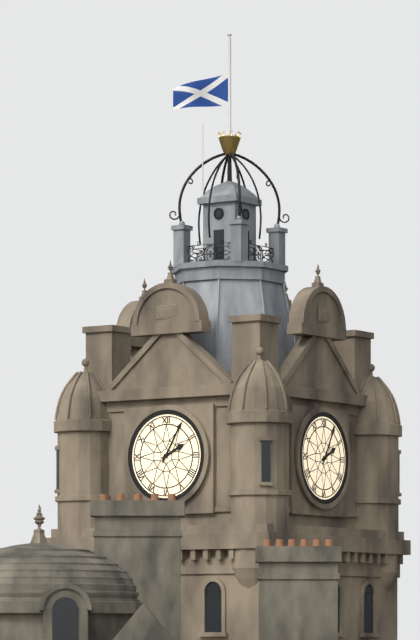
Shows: h=2 m=5
